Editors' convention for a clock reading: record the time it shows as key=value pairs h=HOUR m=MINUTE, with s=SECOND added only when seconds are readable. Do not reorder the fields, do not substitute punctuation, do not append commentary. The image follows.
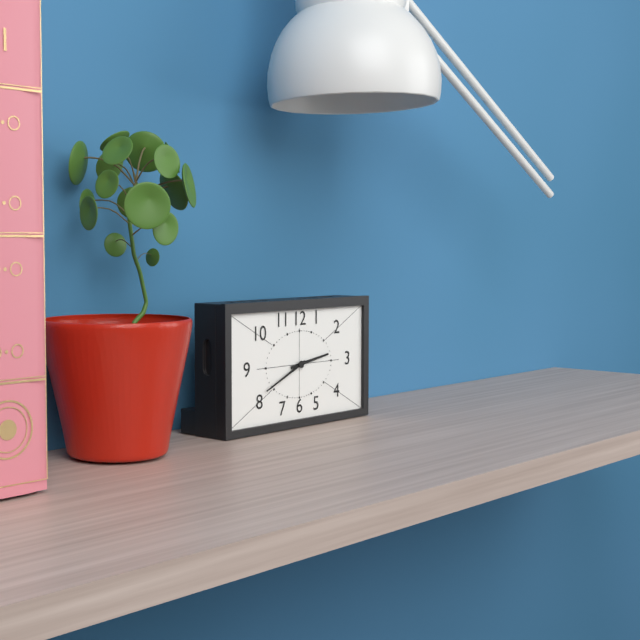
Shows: h=2 m=41
